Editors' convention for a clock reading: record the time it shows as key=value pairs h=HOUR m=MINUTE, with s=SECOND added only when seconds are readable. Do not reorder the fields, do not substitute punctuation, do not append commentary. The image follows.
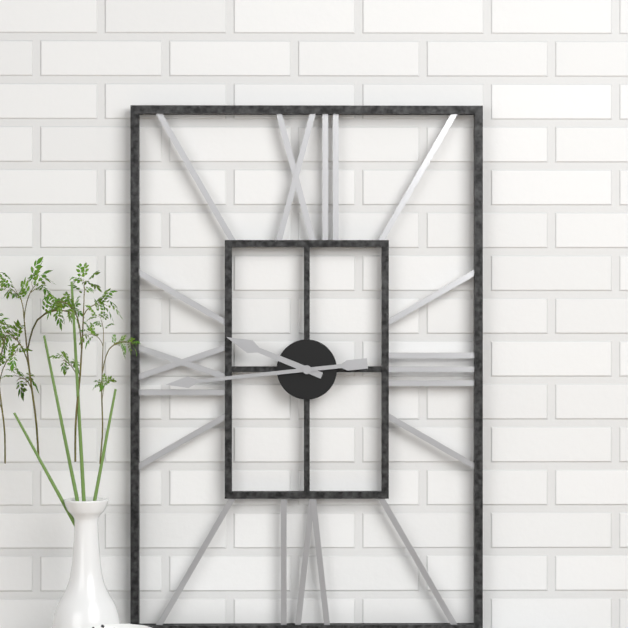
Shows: h=9 m=44
